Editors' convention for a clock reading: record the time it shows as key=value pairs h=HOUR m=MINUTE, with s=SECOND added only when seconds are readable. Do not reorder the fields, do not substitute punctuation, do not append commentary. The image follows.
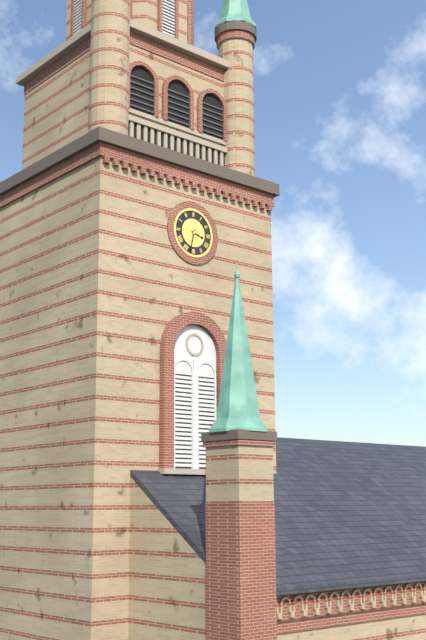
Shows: h=3 m=32
